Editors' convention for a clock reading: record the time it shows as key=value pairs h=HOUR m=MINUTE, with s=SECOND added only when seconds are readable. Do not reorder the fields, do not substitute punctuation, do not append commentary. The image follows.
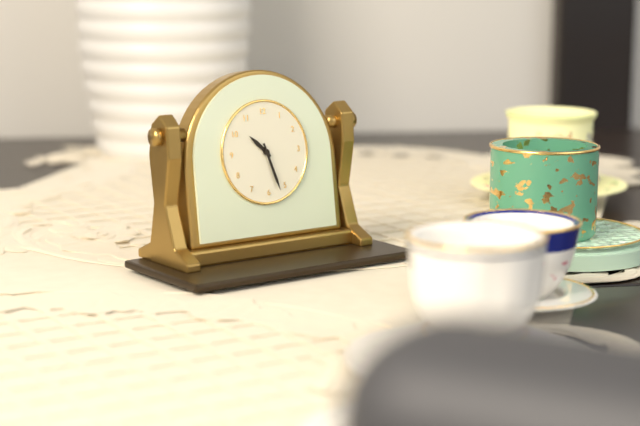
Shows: h=10 m=27
